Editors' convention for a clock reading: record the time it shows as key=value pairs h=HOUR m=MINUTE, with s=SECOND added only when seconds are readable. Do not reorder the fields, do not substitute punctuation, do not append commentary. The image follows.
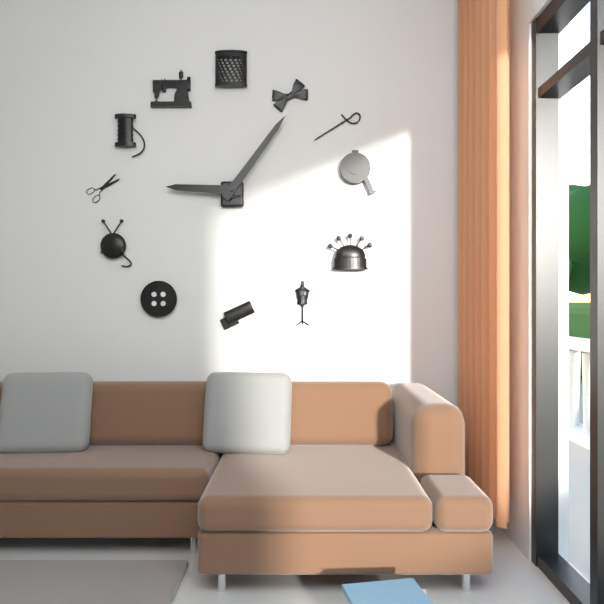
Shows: h=9 m=6
